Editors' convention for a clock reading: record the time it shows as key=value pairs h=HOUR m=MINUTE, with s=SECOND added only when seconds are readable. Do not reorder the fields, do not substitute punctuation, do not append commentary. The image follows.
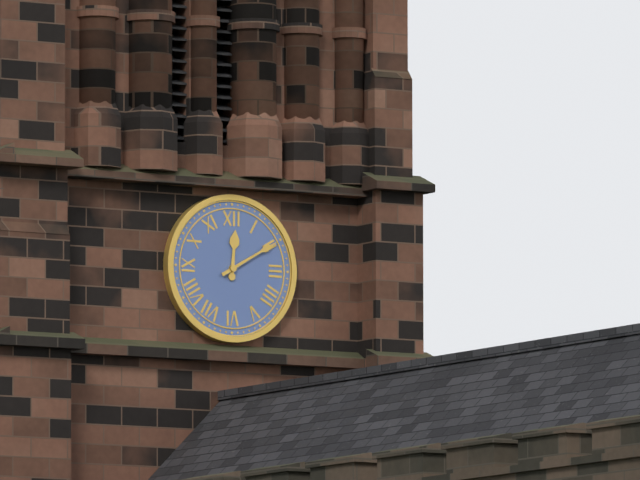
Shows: h=12 m=10
